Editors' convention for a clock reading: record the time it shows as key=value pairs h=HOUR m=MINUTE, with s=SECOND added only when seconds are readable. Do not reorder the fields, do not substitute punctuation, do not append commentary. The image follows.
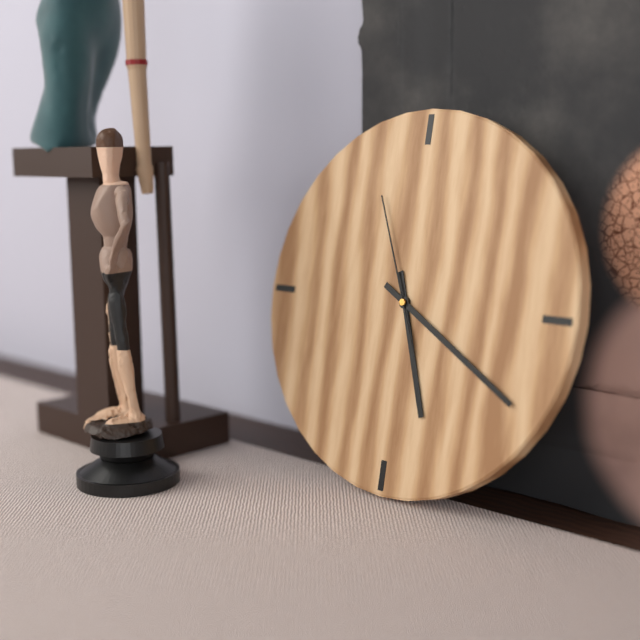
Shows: h=5 m=20 s=56
